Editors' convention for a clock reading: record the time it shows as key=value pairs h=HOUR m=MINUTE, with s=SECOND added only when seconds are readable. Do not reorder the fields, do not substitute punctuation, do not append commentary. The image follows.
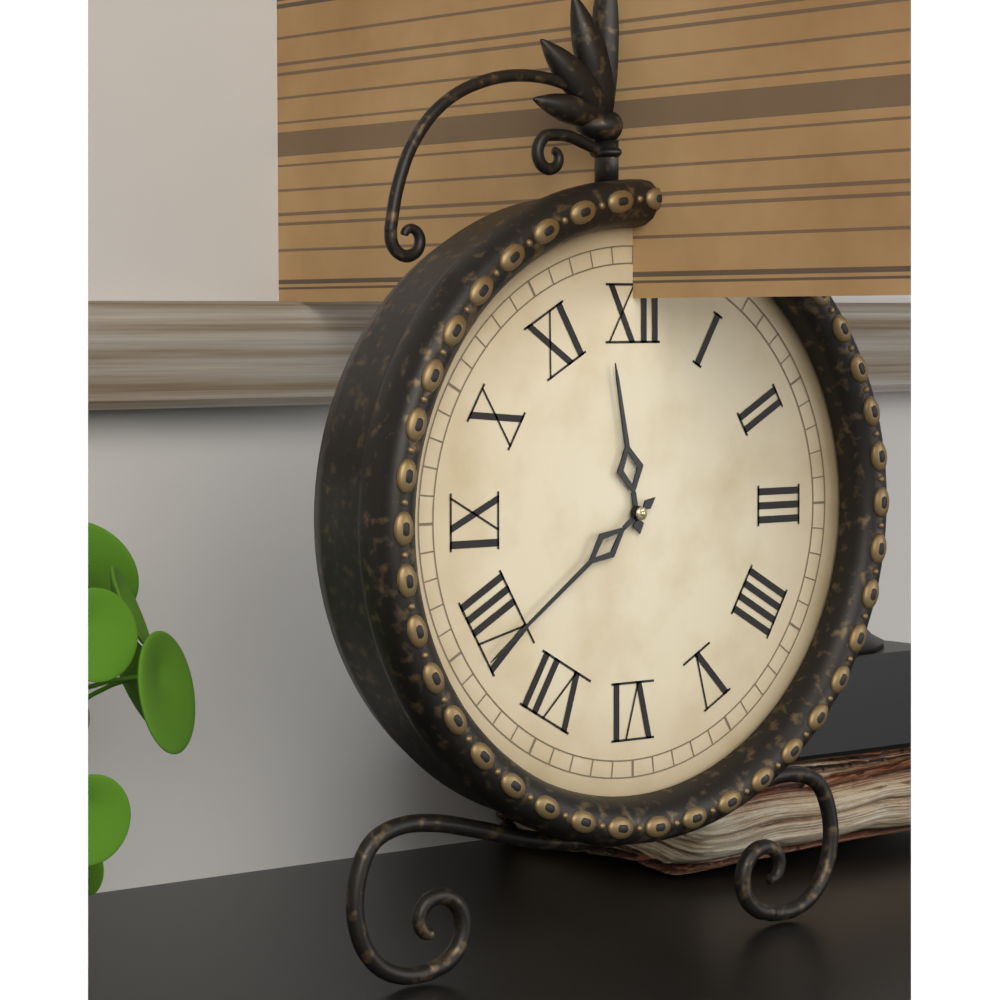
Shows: h=11 m=39
